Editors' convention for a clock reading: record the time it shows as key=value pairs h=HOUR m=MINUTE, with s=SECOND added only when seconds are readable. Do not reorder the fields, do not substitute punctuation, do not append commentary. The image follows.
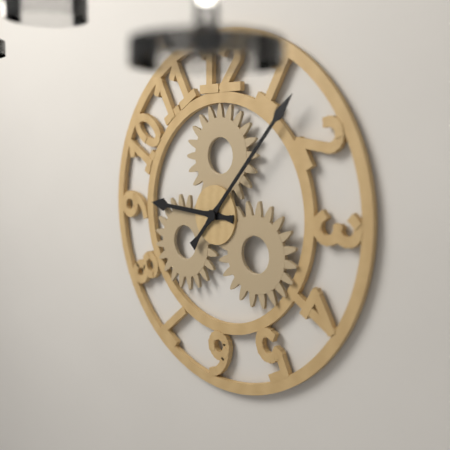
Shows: h=9 m=7
